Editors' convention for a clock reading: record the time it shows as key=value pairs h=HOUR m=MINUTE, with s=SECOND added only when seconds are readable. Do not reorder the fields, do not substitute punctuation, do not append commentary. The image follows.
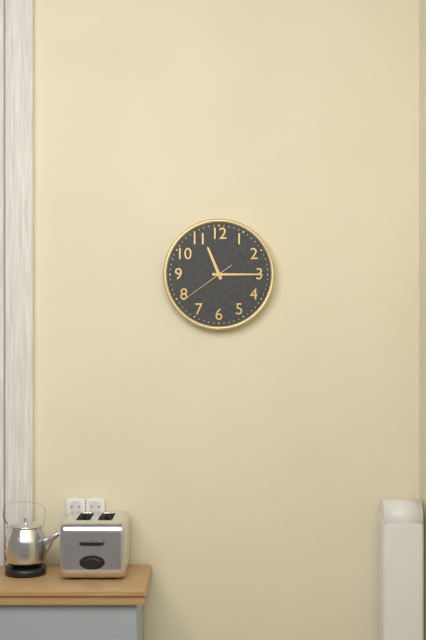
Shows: h=11 m=15 s=39
